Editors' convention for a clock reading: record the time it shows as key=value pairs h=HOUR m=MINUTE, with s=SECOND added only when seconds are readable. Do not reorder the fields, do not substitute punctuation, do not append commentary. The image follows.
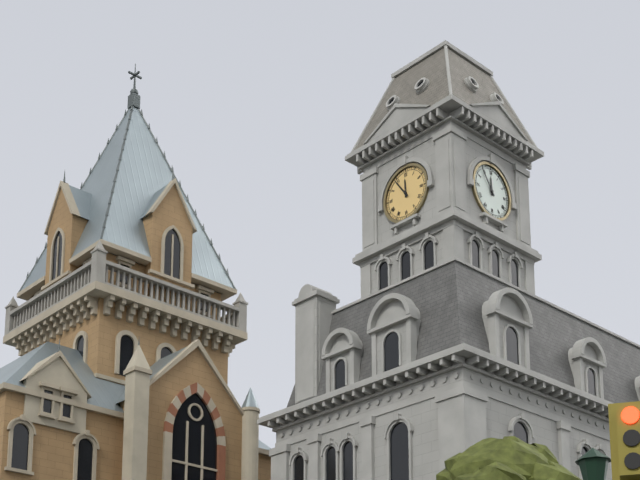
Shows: h=11 m=54
